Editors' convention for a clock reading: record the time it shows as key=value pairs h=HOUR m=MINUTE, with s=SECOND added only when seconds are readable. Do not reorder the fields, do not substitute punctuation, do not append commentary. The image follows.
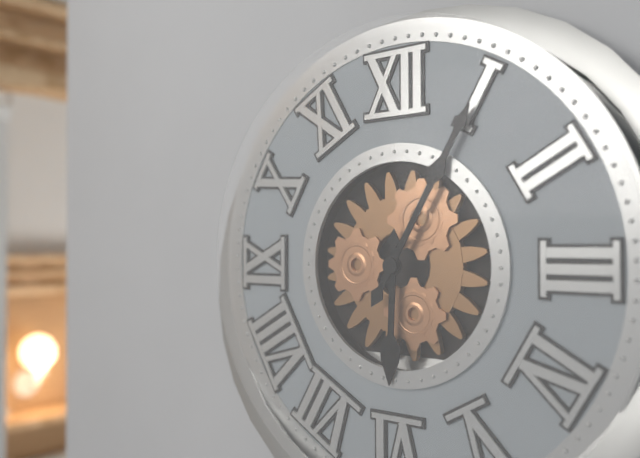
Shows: h=6 m=5
